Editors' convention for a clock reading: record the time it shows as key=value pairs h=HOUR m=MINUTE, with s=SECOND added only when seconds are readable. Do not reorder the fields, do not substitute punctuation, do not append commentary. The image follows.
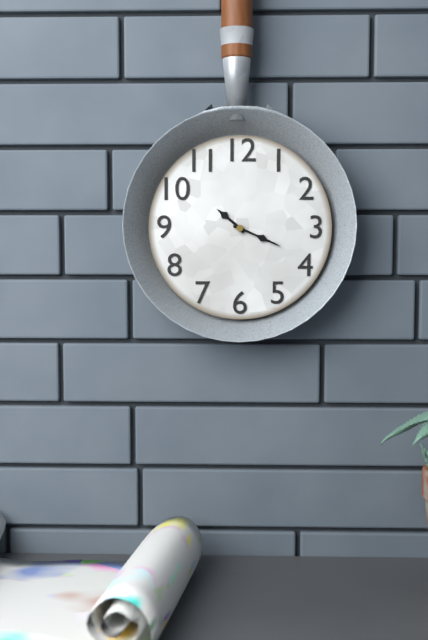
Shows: h=10 m=19
